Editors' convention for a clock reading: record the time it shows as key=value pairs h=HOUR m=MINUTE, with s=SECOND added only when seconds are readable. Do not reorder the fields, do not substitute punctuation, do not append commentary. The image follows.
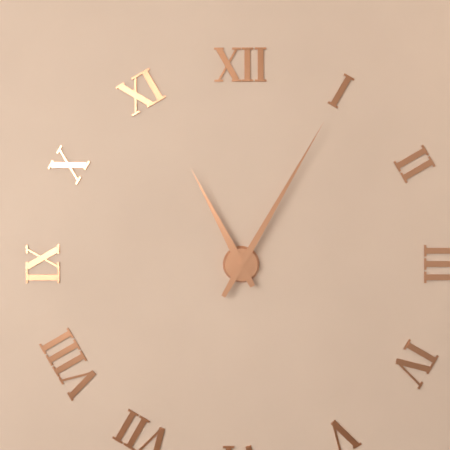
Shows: h=11 m=5
